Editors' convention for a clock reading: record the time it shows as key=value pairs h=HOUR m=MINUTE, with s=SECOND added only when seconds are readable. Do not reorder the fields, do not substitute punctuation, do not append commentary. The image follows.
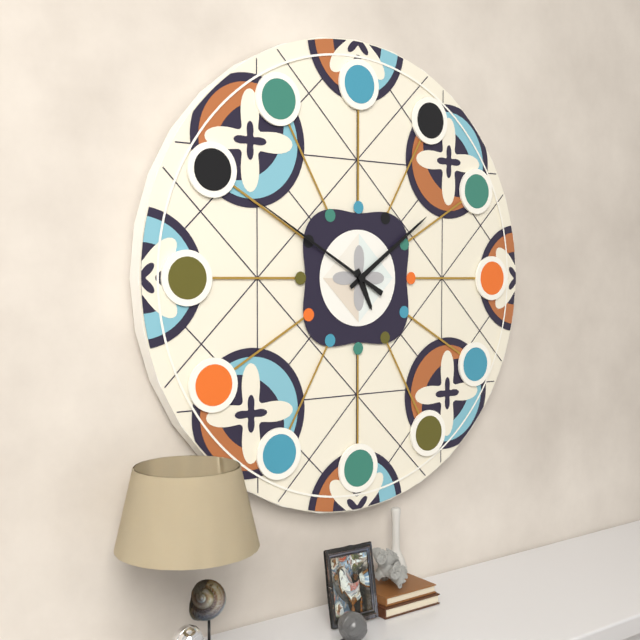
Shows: h=5 m=9 s=50
